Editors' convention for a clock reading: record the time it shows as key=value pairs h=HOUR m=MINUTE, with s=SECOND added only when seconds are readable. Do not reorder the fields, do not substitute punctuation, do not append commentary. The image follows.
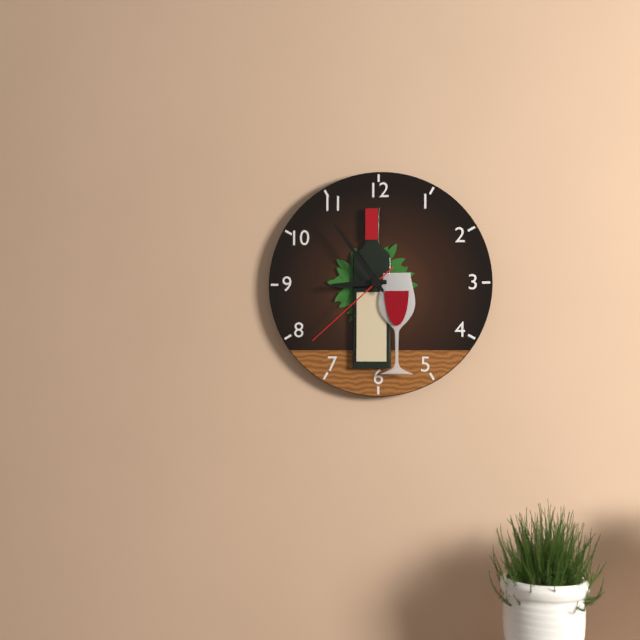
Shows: h=8 m=54 s=38
